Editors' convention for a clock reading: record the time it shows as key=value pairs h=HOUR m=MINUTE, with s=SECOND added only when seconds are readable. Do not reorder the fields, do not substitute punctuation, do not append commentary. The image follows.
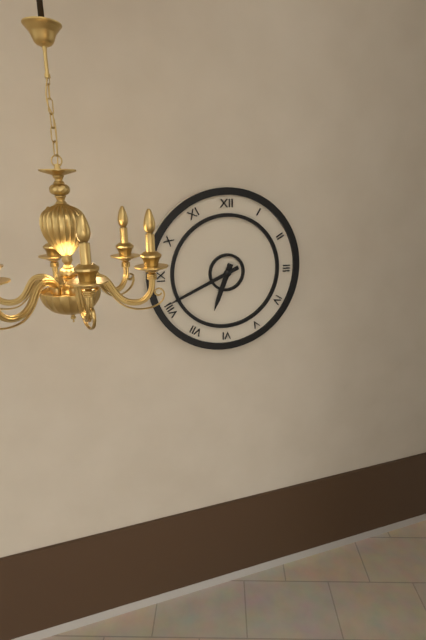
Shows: h=6 m=41
